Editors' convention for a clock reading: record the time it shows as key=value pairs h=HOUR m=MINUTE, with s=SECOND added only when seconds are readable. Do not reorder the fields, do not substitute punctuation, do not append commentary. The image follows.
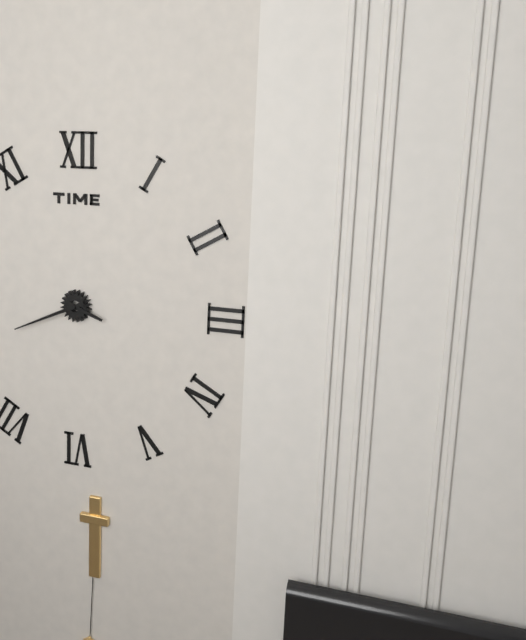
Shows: h=3 m=41
